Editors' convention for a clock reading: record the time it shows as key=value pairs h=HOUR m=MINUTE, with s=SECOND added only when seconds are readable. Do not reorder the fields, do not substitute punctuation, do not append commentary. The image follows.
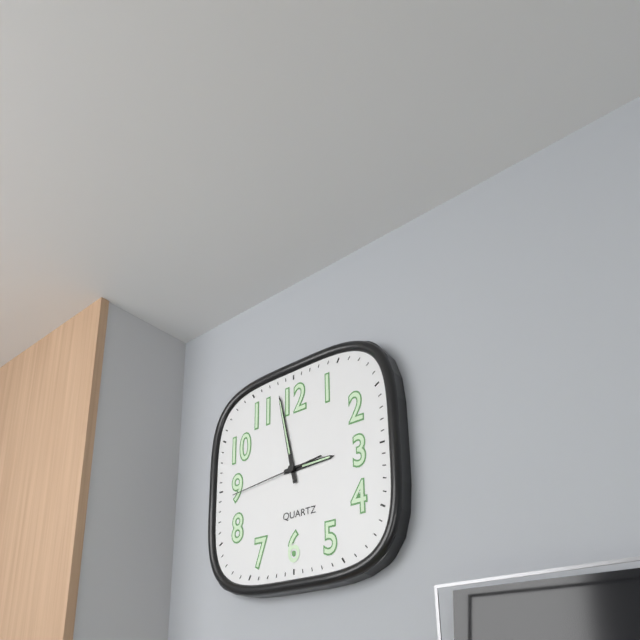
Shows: h=2 m=58 s=44
